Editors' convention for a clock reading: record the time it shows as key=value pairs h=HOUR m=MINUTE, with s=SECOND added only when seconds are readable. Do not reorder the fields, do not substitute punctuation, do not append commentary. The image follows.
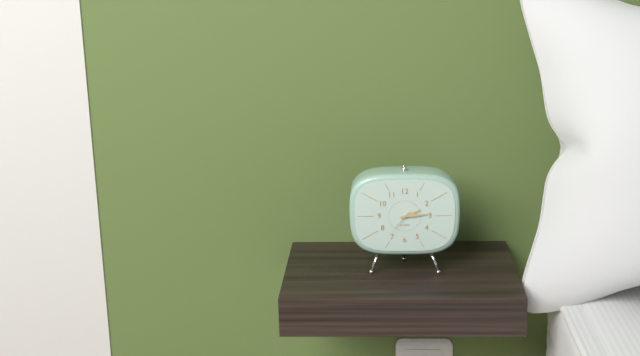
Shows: h=2 m=14
